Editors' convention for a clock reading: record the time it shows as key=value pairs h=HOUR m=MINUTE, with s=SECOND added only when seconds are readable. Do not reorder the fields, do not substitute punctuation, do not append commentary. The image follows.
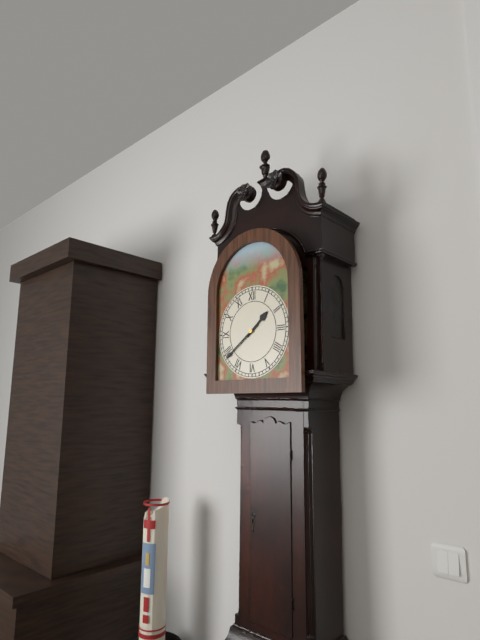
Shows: h=1 m=39
